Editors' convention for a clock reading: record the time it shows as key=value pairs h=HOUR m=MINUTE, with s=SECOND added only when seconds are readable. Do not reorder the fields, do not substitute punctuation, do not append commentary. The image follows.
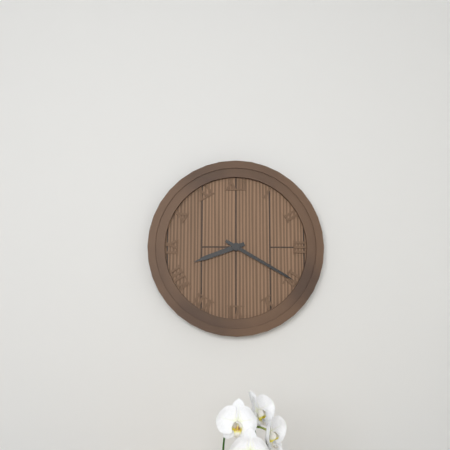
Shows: h=8 m=20
